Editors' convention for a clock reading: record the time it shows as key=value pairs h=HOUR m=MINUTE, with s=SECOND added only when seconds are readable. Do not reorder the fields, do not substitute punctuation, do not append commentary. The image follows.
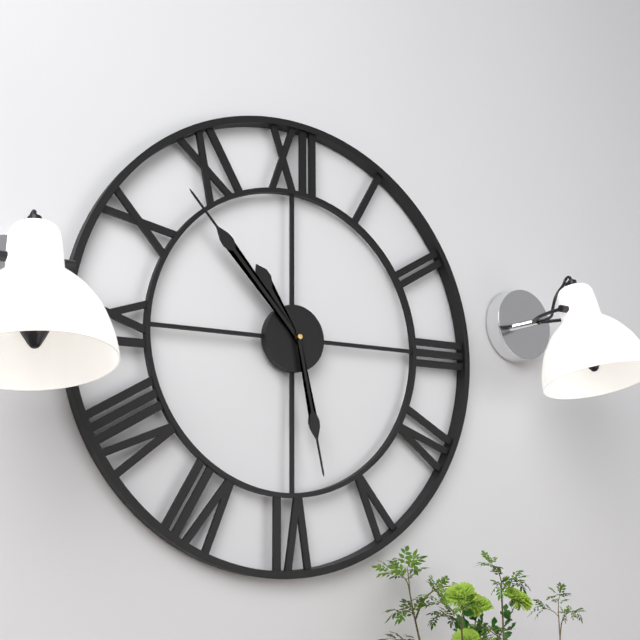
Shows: h=10 m=53 s=28
